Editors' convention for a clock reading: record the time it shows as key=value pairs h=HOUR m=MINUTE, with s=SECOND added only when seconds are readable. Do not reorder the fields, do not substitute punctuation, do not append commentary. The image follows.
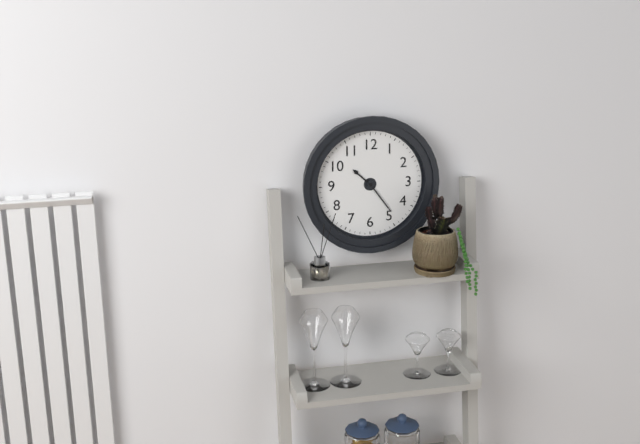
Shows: h=10 m=24
